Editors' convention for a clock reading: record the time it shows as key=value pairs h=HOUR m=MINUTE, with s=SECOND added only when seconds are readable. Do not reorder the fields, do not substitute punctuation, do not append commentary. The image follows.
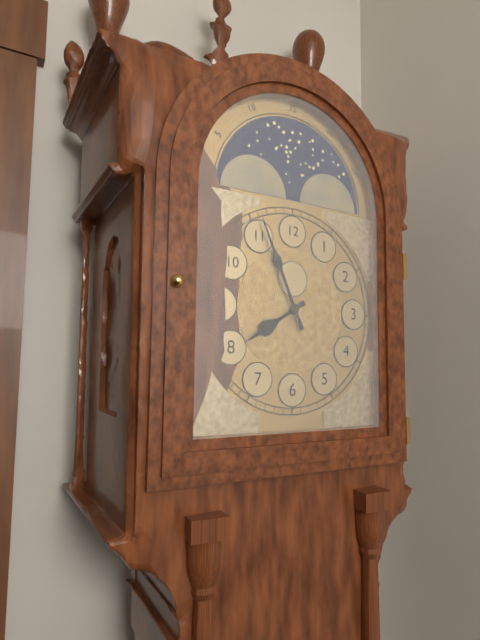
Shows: h=7 m=56
